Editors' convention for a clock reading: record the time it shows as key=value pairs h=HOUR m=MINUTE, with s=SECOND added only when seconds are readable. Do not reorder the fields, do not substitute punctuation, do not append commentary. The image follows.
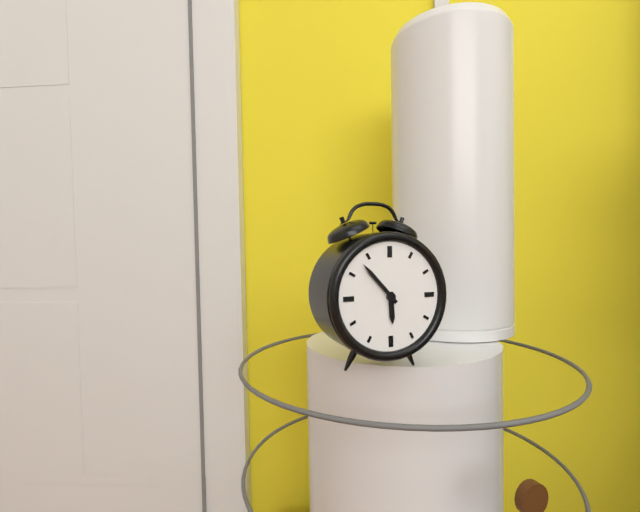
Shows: h=5 m=53
